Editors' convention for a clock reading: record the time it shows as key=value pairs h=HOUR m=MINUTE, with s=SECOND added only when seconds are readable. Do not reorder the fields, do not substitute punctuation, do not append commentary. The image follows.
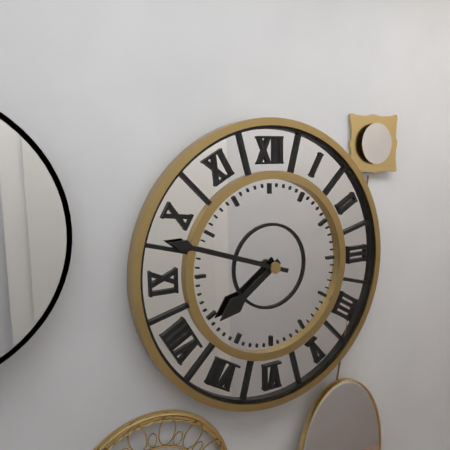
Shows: h=7 m=48
